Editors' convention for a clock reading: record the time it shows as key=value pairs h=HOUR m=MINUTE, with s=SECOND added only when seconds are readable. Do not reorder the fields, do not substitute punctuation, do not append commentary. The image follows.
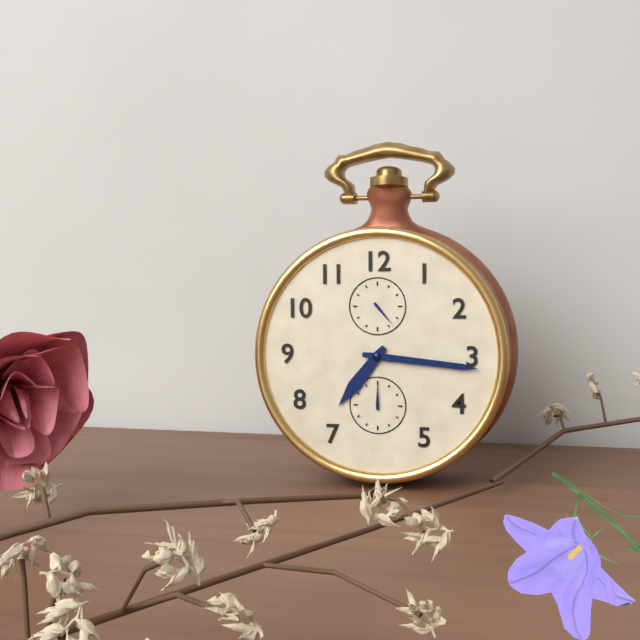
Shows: h=7 m=16
